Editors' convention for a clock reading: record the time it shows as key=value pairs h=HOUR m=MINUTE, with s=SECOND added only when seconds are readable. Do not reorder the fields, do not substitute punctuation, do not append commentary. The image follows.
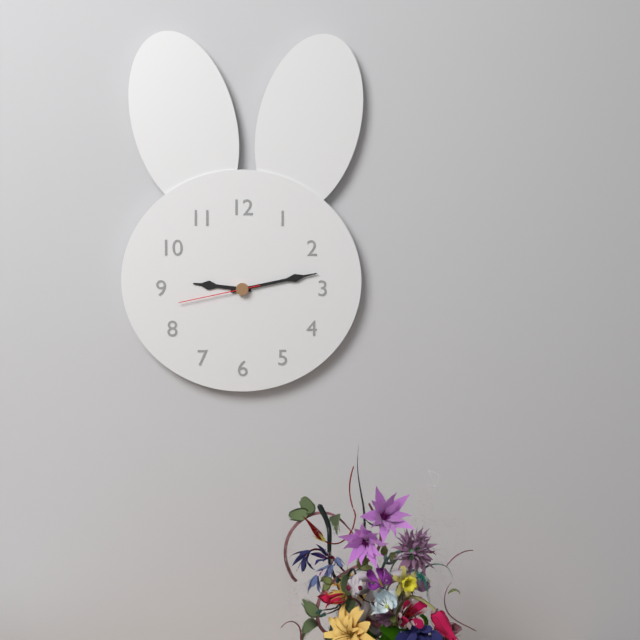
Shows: h=9 m=13 s=43
